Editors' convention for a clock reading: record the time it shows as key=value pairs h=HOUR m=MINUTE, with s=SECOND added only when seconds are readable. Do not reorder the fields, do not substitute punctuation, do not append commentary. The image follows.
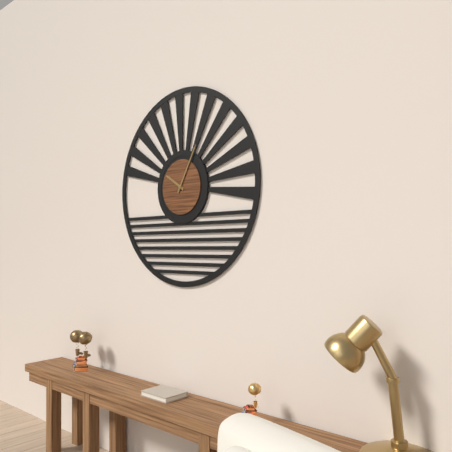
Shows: h=10 m=5
